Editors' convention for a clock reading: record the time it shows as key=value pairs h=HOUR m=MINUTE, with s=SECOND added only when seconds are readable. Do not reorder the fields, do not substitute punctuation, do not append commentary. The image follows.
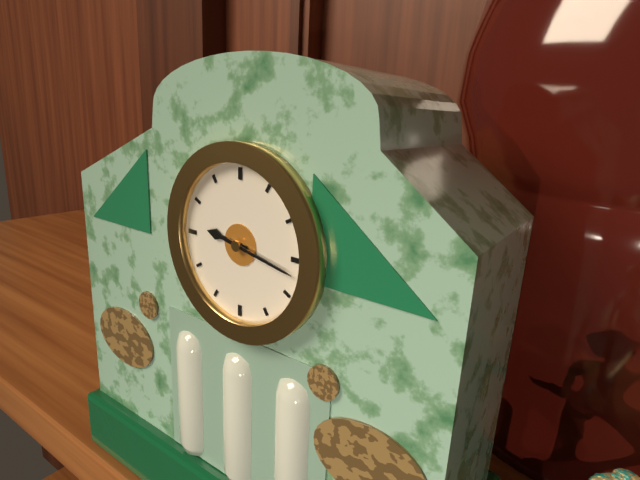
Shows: h=9 m=17
